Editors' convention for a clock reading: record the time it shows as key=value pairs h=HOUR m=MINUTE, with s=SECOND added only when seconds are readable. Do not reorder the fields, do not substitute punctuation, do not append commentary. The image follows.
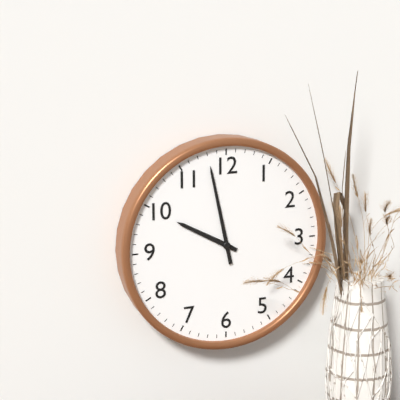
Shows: h=9 m=58
